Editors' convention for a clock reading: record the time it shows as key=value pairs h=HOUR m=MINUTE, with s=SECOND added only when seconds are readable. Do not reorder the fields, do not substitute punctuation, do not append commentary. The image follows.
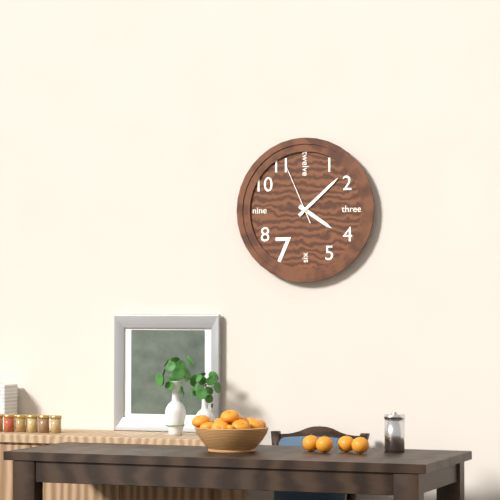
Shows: h=4 m=8 s=56
